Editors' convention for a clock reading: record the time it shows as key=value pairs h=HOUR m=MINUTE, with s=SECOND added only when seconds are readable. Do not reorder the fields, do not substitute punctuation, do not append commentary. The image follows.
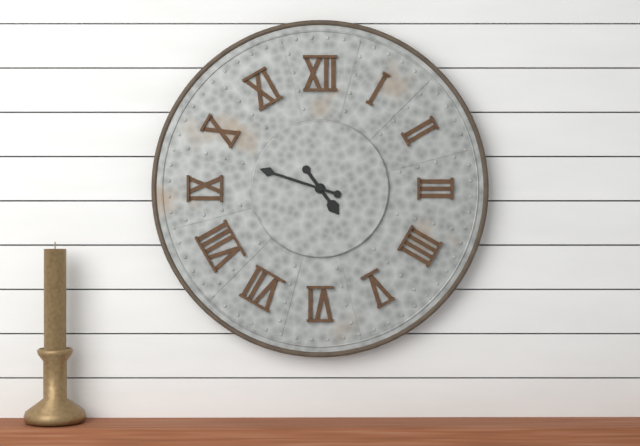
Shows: h=4 m=48
